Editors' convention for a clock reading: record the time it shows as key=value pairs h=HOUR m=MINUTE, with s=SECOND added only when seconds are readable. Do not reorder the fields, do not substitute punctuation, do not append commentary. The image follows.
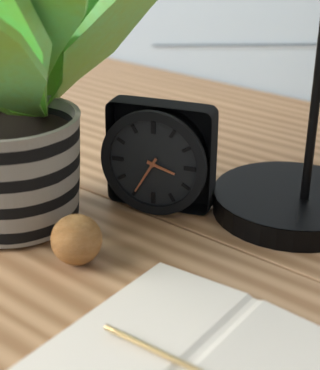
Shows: h=3 m=35
